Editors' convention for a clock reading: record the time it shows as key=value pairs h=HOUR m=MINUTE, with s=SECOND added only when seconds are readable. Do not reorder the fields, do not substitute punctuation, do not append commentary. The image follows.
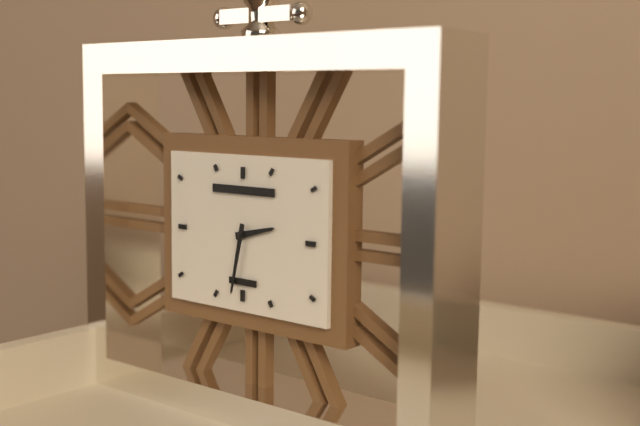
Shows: h=2 m=32
